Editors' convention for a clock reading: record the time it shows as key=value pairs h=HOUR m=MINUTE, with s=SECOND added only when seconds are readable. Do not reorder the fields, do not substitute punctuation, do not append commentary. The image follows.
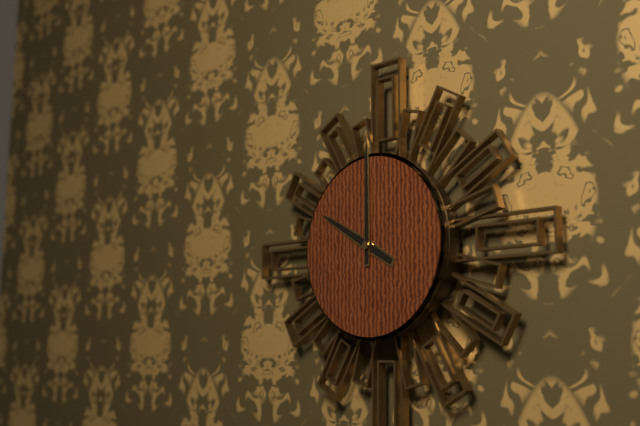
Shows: h=10 m=0
